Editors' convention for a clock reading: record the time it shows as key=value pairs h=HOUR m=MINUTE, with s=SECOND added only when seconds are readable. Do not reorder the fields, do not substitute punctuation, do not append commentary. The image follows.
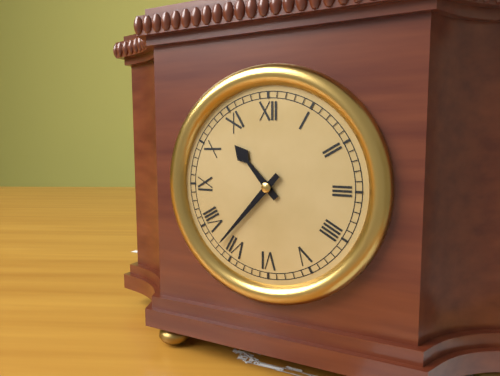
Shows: h=10 m=37
